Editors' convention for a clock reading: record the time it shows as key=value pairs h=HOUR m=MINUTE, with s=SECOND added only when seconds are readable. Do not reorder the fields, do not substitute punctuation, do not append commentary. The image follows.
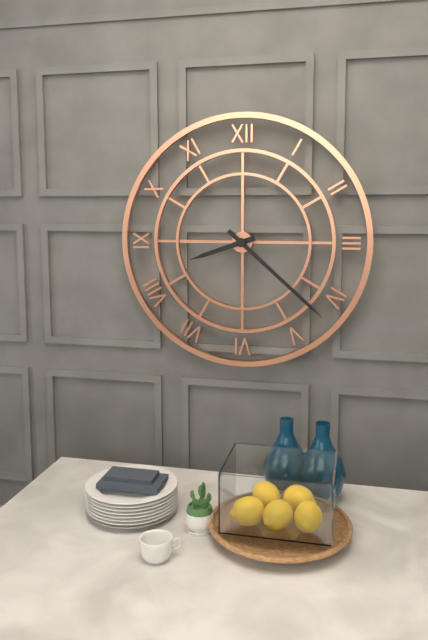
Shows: h=8 m=22
